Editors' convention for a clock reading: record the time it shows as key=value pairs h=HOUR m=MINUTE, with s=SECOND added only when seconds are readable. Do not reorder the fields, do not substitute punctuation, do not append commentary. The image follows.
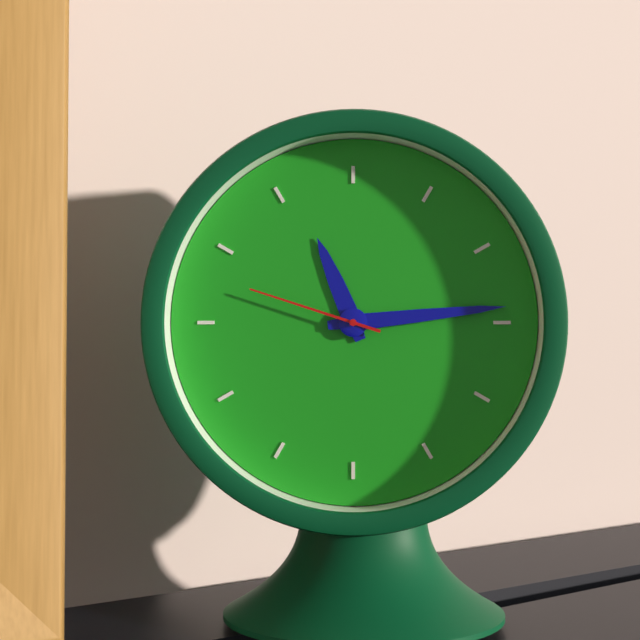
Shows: h=11 m=14 s=48
